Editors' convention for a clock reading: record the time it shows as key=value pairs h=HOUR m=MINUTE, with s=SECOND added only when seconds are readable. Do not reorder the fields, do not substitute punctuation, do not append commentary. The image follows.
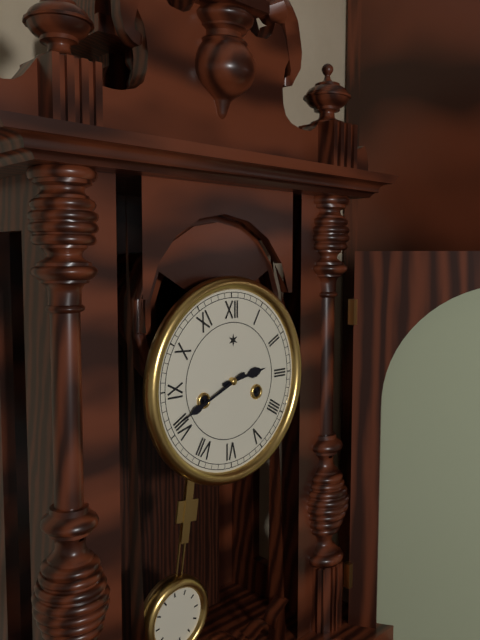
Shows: h=2 m=41
